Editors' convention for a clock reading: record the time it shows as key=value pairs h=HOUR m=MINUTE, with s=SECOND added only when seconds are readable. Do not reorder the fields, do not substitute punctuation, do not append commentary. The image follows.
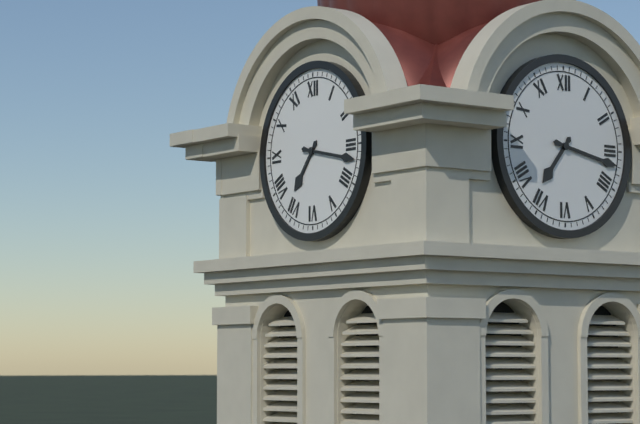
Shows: h=7 m=17
